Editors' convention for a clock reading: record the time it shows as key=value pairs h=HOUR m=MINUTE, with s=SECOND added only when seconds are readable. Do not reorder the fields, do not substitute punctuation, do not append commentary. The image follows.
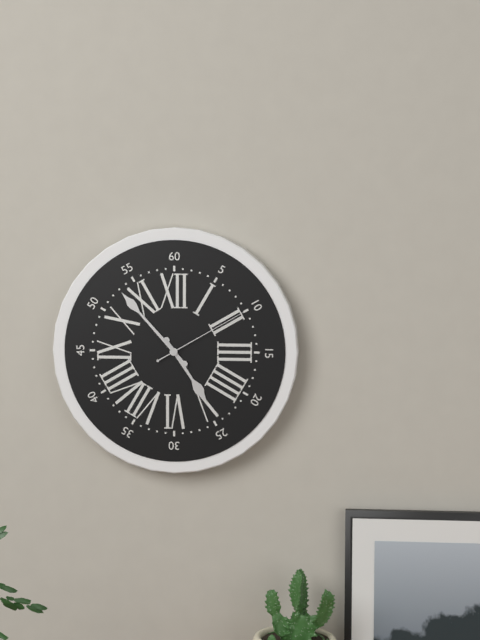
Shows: h=4 m=53 s=10
